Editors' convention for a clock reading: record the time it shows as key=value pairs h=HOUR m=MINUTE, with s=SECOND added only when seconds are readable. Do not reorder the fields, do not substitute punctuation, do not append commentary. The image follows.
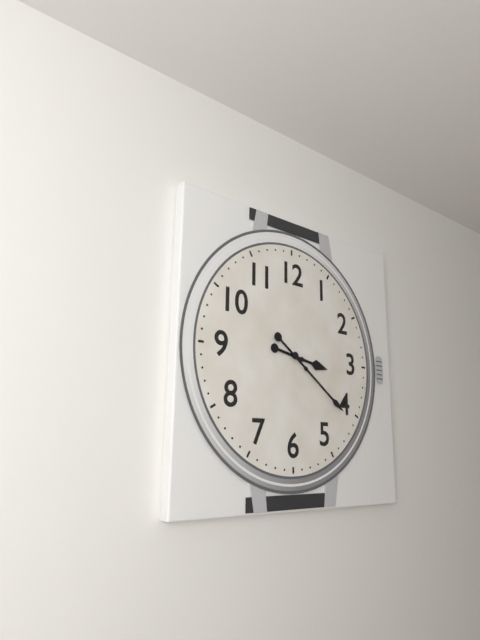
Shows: h=3 m=21
